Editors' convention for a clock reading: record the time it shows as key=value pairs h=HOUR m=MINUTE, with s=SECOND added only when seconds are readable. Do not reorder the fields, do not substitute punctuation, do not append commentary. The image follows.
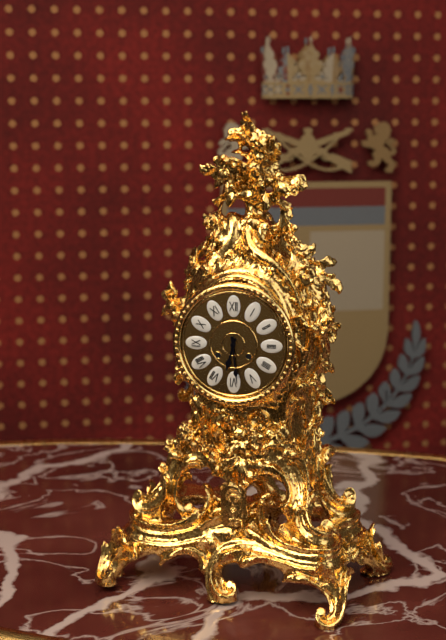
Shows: h=6 m=29
